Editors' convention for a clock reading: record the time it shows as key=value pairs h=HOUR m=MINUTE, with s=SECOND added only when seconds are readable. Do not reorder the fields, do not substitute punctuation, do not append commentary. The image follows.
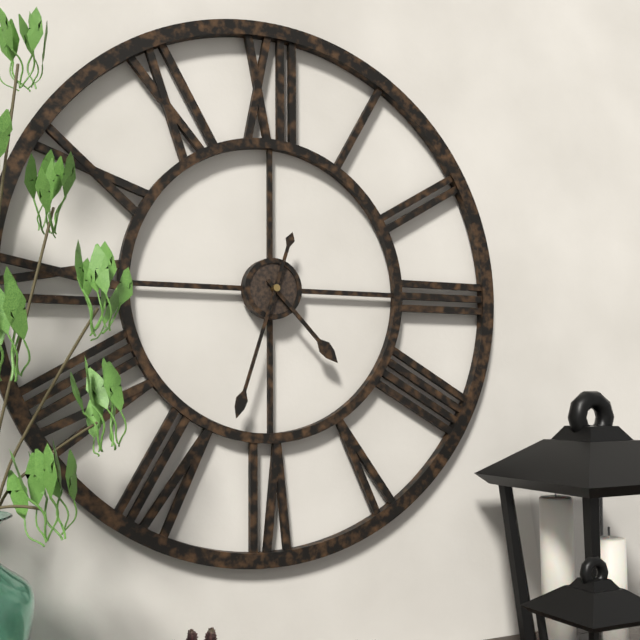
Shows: h=4 m=33
